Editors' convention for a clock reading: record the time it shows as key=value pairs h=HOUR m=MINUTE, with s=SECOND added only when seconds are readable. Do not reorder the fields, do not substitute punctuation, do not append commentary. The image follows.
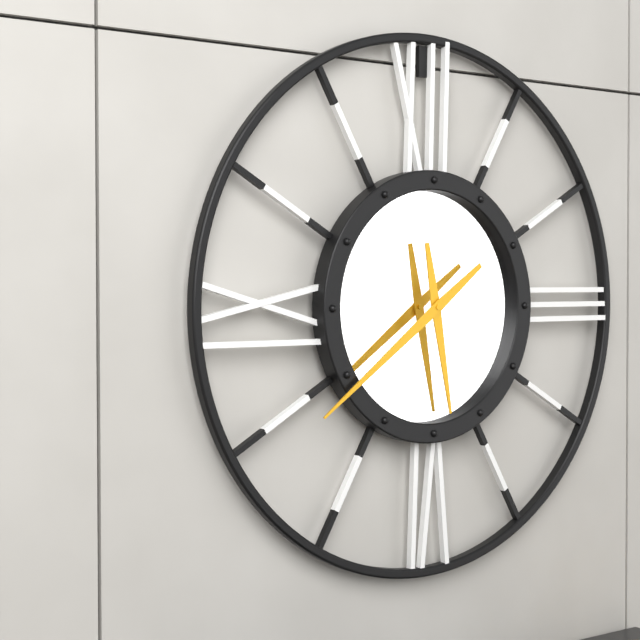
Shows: h=5 m=39
